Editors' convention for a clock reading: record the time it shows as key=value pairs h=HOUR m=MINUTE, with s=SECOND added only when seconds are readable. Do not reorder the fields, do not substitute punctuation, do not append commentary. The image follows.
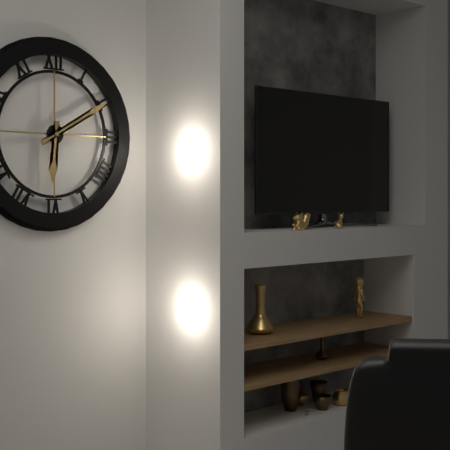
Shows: h=6 m=10
